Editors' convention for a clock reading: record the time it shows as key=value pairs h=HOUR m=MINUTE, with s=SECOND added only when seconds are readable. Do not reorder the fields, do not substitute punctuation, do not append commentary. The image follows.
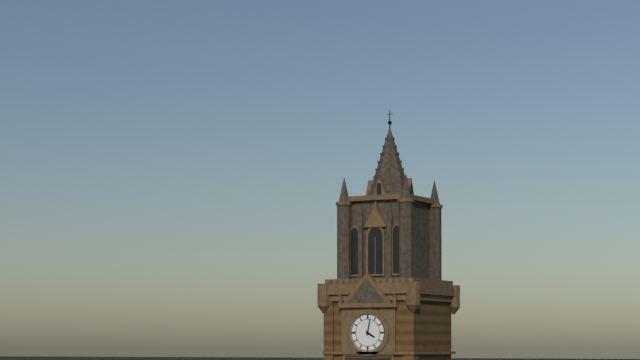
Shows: h=4 m=2
